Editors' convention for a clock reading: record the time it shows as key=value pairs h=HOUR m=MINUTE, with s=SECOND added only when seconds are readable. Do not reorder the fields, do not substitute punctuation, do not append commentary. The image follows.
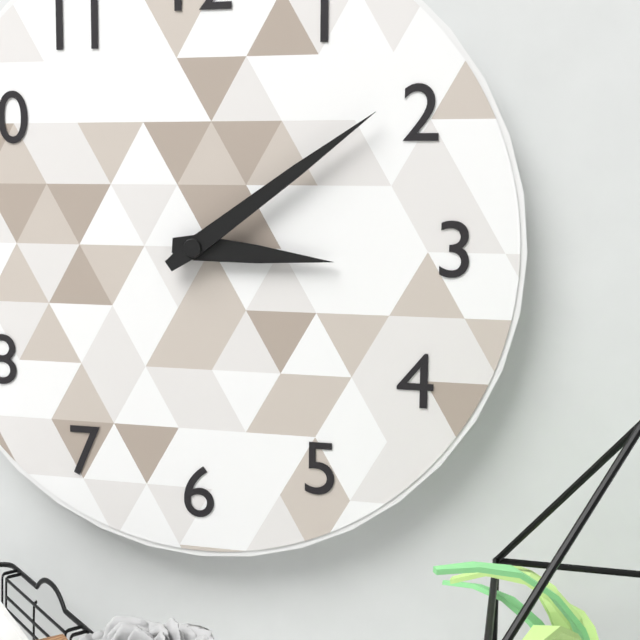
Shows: h=3 m=9
